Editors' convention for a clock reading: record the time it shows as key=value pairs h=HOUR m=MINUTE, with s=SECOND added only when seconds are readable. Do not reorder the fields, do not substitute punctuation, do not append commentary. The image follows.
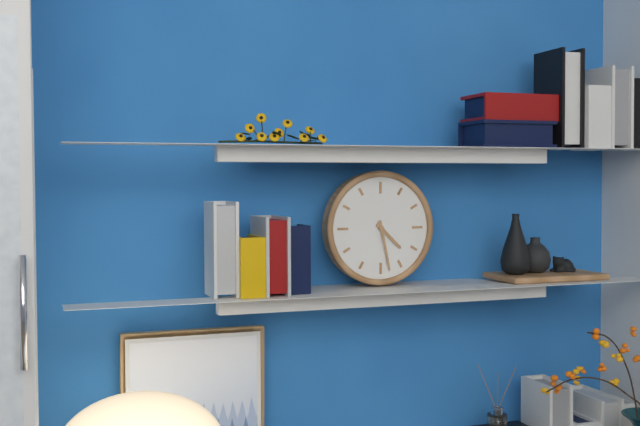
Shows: h=4 m=28
